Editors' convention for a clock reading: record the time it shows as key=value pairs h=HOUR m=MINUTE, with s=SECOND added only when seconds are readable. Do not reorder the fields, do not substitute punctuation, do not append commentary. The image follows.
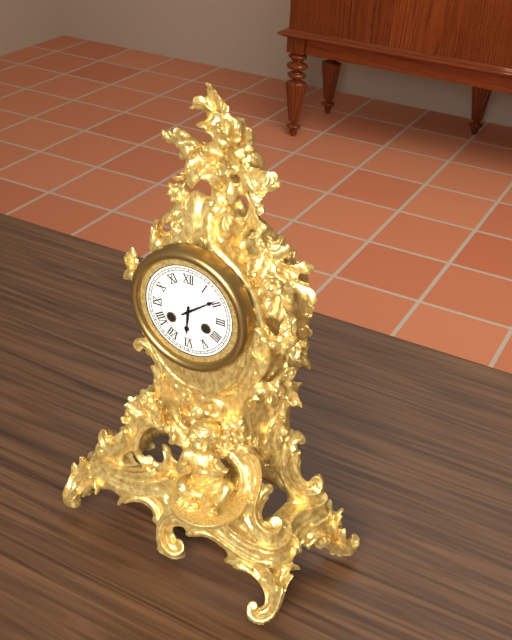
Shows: h=6 m=9
